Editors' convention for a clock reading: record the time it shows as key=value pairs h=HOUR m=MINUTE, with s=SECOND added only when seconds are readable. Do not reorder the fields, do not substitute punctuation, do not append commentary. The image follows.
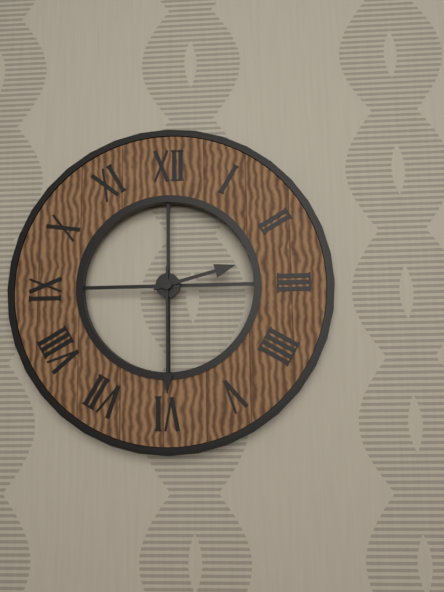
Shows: h=2 m=30
